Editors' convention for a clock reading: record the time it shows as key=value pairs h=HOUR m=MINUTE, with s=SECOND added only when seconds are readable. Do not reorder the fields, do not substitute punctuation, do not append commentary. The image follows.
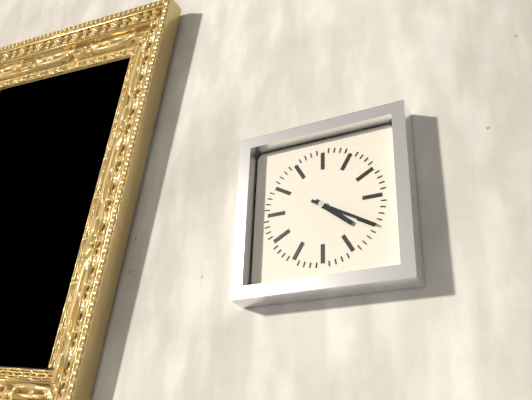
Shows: h=4 m=20
